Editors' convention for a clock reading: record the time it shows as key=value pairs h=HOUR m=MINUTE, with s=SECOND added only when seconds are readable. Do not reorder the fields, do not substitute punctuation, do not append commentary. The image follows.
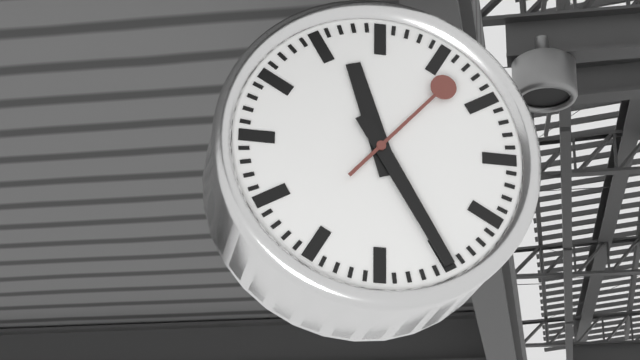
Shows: h=11 m=25 s=7
